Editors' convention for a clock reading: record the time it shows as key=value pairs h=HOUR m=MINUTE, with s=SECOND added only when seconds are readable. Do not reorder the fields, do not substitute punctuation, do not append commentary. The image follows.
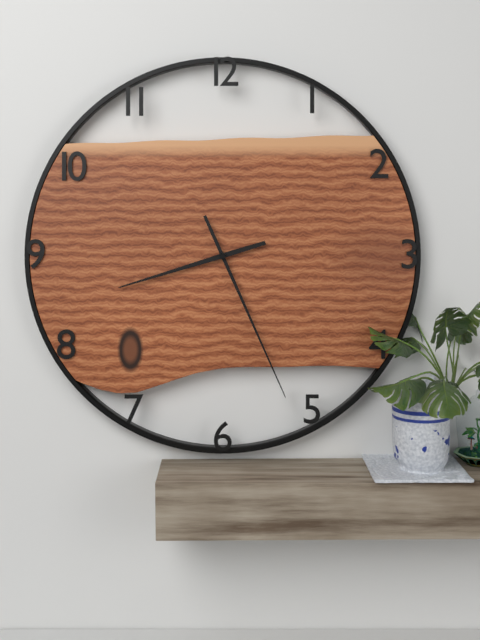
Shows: h=8 m=26
